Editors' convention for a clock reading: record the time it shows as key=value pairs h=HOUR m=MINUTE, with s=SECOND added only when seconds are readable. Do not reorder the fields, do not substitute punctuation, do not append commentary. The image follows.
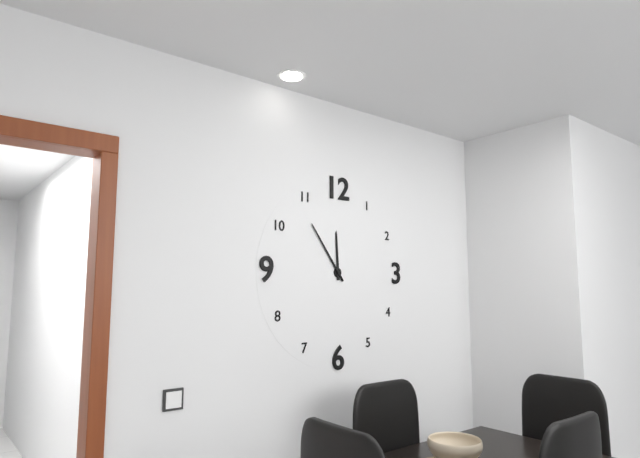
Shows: h=11 m=54
